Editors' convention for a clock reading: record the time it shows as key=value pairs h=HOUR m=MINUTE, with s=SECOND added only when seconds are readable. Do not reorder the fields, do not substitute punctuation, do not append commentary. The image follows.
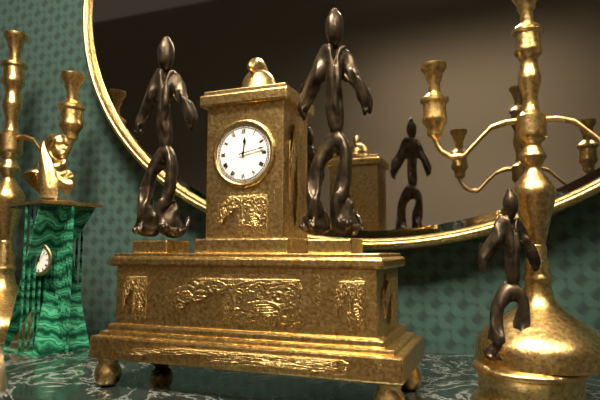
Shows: h=12 m=13
